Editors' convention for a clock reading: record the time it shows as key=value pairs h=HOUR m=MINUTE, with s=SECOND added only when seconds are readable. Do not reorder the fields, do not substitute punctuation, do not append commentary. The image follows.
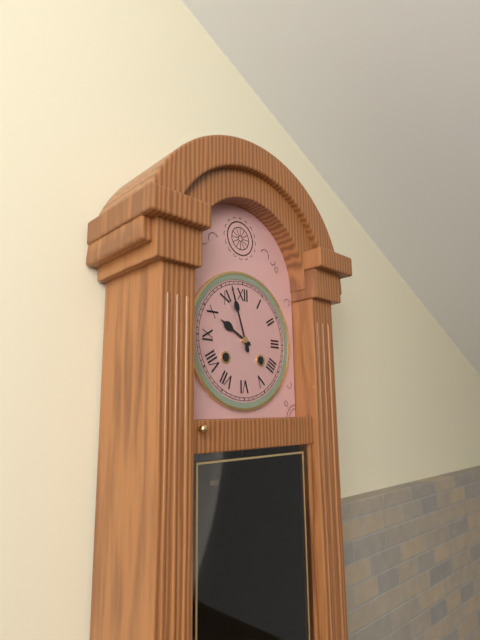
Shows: h=9 m=57
